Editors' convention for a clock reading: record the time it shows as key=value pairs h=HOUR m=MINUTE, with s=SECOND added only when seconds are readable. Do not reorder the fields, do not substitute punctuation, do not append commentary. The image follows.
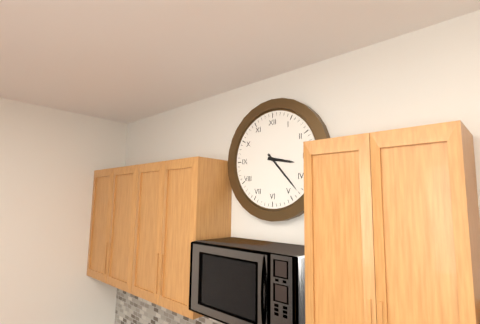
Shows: h=3 m=23
